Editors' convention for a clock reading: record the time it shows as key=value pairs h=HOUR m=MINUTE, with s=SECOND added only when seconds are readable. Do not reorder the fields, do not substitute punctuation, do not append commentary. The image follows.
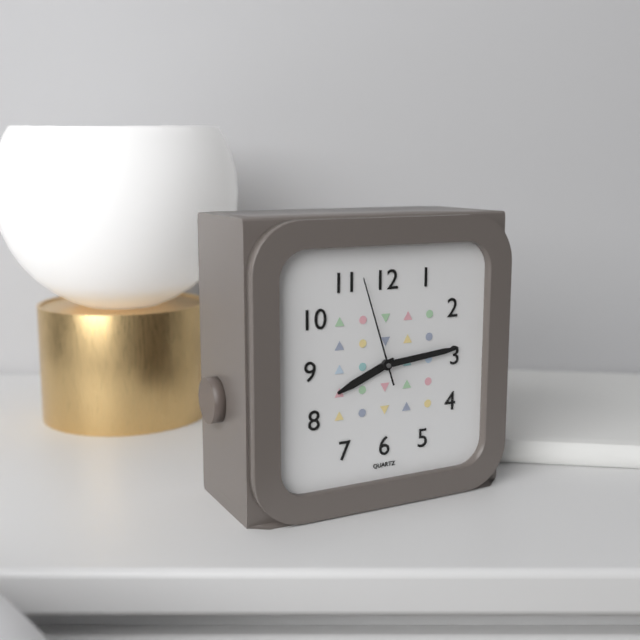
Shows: h=8 m=14 s=57
